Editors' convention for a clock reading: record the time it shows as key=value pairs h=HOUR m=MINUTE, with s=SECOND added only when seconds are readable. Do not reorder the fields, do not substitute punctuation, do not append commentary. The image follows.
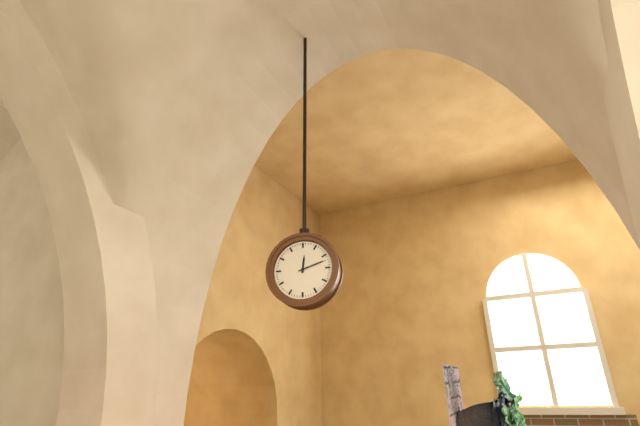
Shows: h=12 m=12
